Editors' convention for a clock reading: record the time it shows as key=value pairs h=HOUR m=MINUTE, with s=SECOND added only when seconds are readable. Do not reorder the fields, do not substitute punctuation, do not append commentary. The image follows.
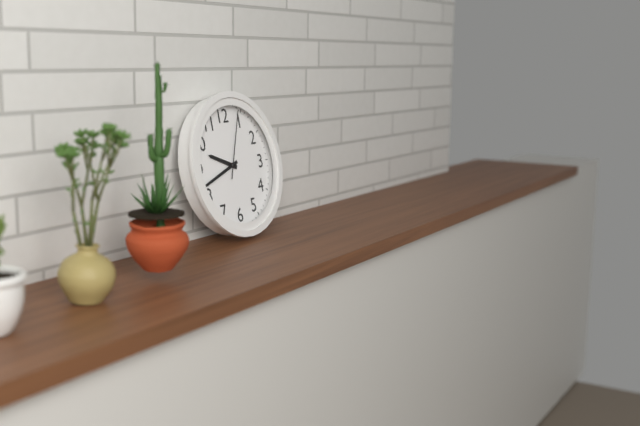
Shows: h=9 m=42 s=4
